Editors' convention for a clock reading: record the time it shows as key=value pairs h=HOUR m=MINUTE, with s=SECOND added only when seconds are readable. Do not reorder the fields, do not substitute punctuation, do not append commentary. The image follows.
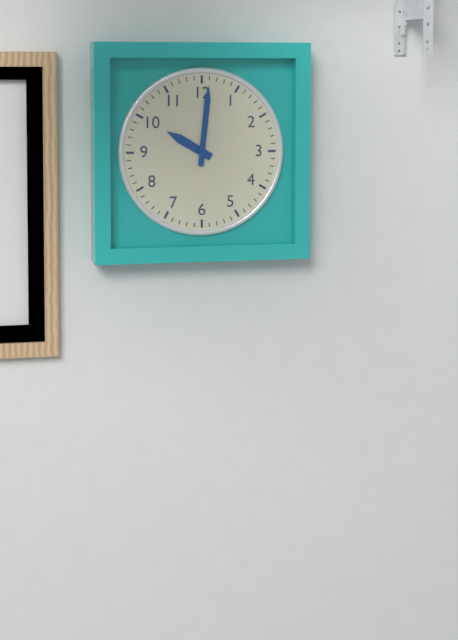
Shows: h=10 m=1
